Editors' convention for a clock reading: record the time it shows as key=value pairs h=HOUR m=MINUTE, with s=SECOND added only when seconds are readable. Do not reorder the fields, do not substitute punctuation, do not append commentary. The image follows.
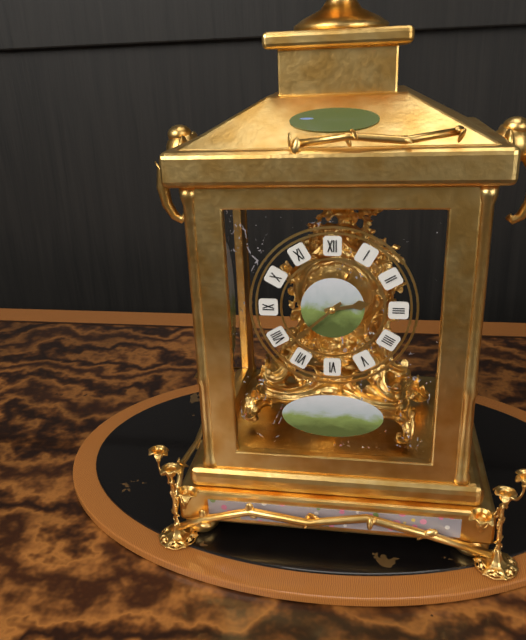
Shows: h=2 m=38
